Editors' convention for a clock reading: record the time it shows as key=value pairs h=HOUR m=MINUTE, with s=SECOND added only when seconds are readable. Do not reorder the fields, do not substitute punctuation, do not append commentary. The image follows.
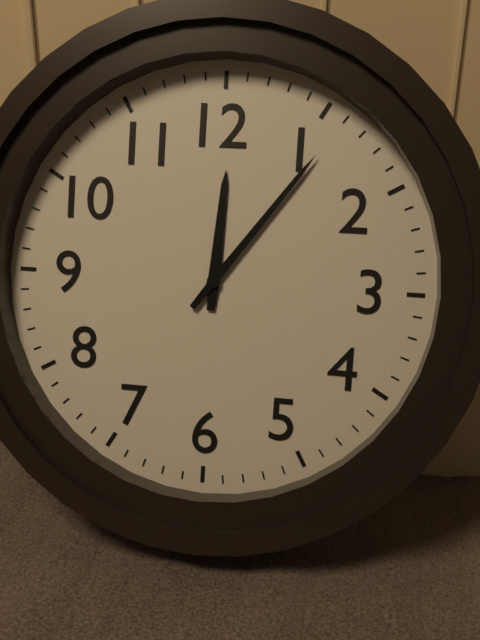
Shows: h=12 m=6
